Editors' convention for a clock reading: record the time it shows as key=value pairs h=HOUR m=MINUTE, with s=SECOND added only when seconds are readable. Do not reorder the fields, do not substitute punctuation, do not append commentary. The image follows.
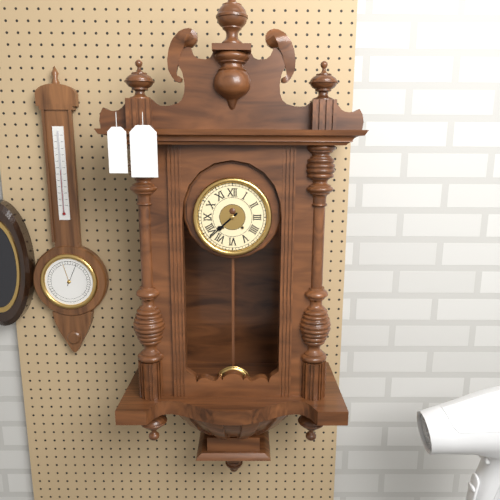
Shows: h=7 m=38
